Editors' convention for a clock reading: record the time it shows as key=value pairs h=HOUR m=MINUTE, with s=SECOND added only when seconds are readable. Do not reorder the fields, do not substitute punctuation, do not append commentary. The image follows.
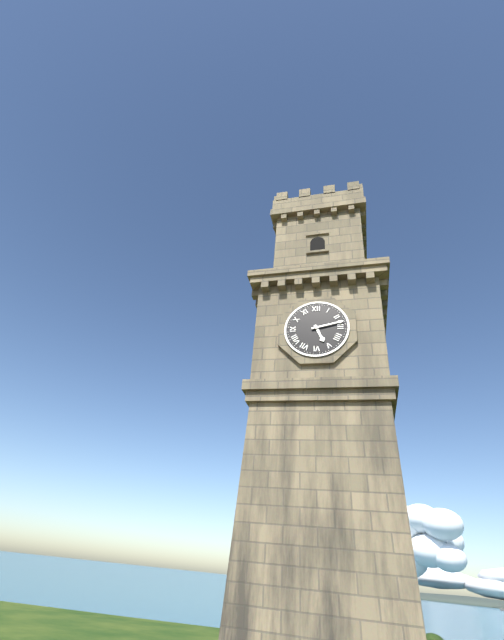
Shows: h=5 m=13
